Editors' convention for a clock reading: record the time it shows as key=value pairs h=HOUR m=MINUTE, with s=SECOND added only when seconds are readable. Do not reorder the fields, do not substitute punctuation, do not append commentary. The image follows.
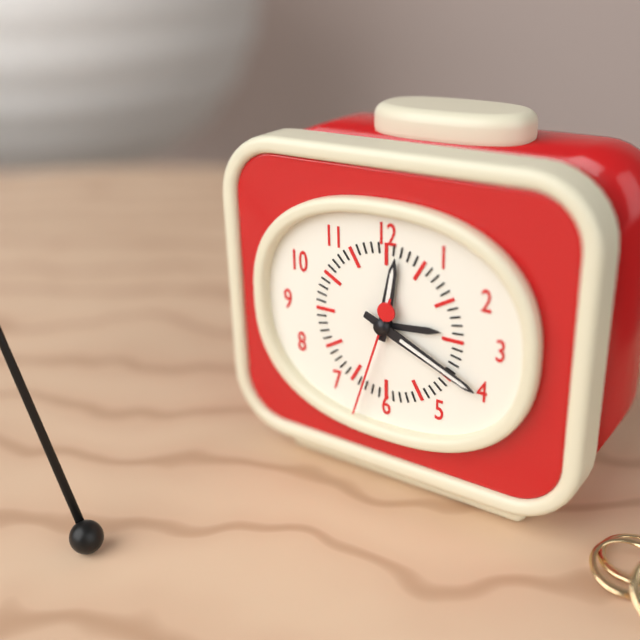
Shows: h=12 m=19 s=33
